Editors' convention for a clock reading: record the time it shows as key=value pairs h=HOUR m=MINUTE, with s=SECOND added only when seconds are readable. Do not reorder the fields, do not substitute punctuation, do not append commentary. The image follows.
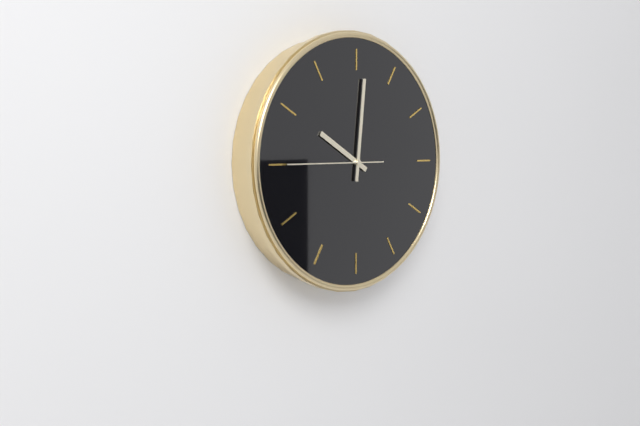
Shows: h=10 m=1 s=45
